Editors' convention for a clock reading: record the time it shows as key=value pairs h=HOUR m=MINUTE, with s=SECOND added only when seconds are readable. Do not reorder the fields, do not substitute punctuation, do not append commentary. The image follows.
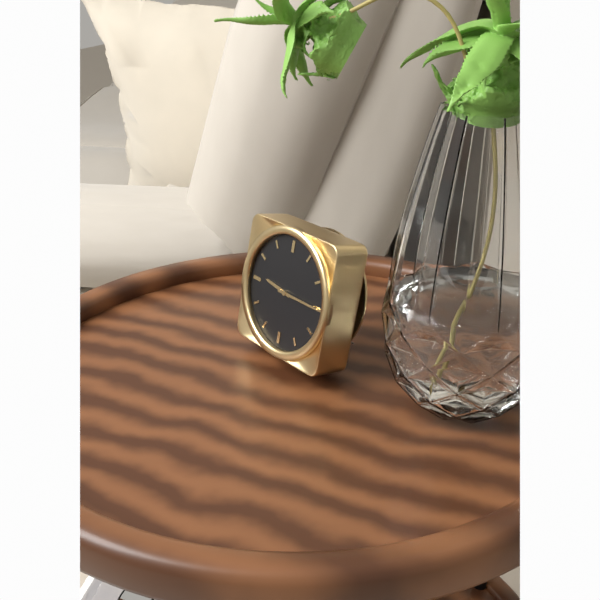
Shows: h=9 m=15
